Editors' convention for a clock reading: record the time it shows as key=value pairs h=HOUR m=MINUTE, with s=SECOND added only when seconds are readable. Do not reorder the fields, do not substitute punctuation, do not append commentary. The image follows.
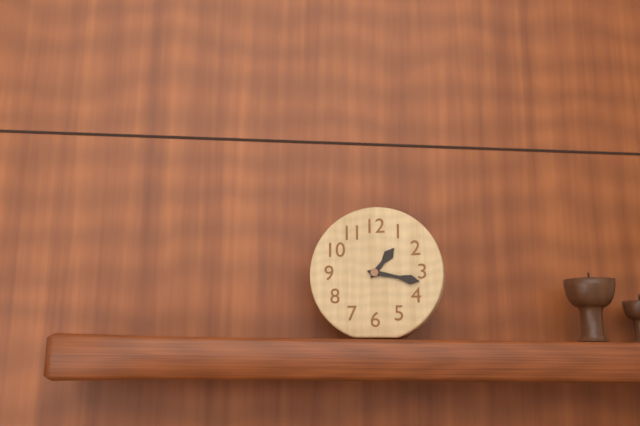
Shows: h=1 m=17
